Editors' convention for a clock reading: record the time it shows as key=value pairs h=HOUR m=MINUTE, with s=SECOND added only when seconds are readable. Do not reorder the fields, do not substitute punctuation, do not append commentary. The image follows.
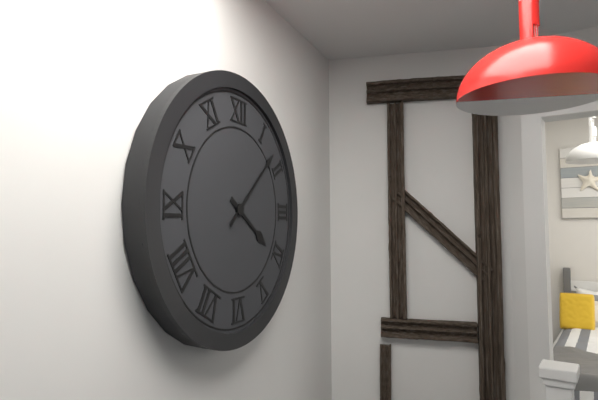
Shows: h=4 m=8
